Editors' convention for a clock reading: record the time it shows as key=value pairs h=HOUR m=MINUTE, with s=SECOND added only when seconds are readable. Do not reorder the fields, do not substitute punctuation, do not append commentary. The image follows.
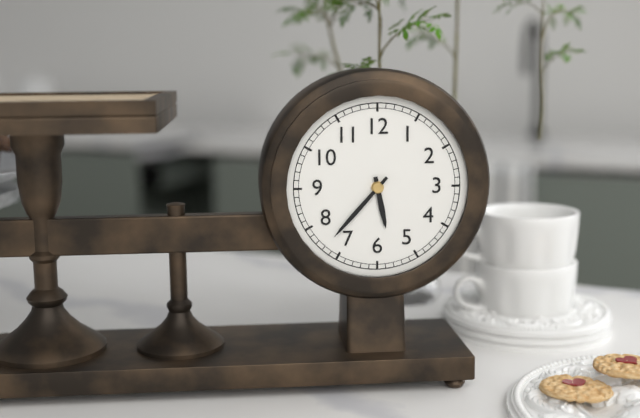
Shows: h=5 m=37
